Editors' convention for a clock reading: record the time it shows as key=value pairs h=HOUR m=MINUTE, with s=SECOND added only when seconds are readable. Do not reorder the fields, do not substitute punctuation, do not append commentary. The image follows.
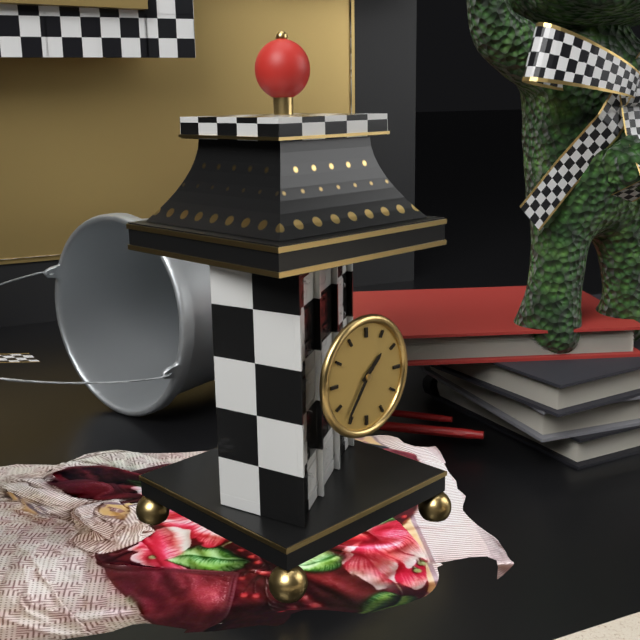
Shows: h=1 m=36
